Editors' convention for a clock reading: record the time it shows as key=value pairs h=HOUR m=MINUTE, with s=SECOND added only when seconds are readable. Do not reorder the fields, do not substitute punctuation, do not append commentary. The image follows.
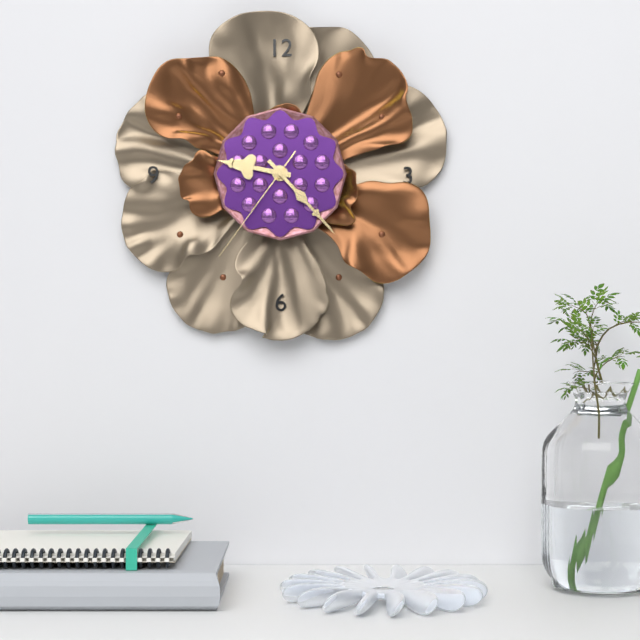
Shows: h=9 m=23 s=36
